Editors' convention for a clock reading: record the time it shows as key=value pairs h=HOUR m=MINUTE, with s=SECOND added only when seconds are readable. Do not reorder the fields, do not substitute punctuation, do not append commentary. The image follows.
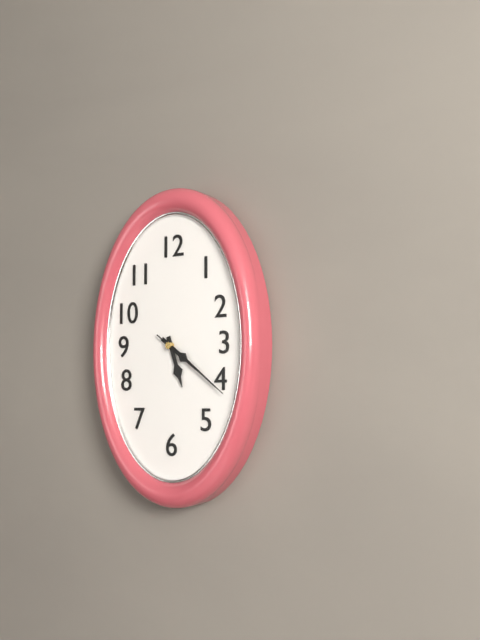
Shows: h=5 m=21 s=21
